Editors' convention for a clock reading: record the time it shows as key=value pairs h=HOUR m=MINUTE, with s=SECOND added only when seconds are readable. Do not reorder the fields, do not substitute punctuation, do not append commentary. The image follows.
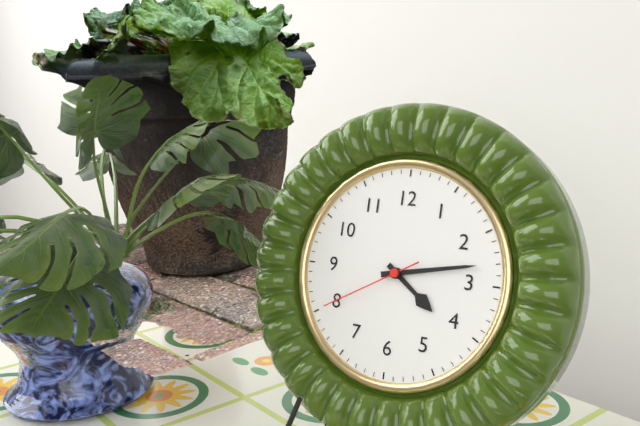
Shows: h=4 m=13 s=40
